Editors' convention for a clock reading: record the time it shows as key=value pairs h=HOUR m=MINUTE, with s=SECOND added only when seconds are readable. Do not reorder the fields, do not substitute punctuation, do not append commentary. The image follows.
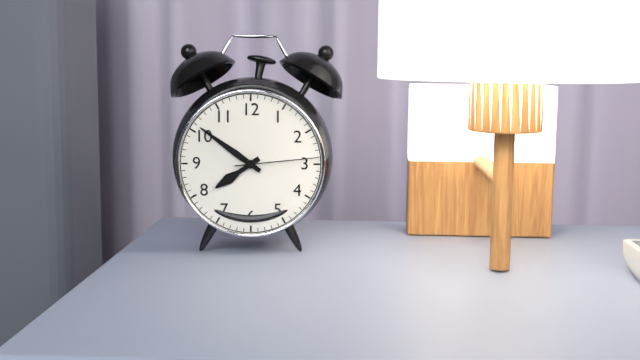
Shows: h=7 m=51 s=14
